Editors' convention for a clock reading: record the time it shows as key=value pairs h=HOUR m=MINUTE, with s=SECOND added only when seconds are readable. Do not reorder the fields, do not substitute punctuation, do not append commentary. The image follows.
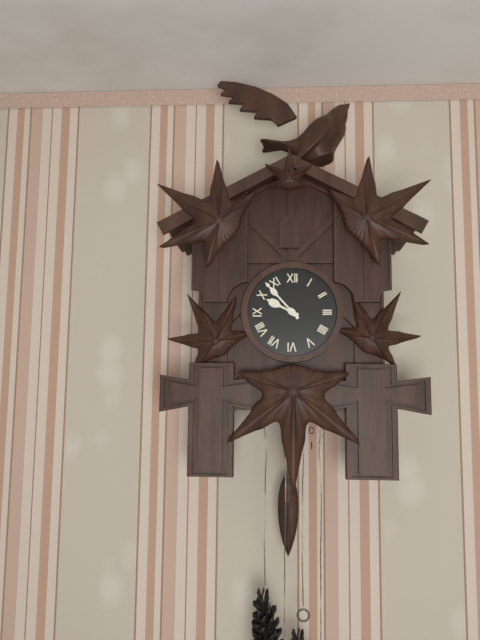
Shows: h=9 m=53
